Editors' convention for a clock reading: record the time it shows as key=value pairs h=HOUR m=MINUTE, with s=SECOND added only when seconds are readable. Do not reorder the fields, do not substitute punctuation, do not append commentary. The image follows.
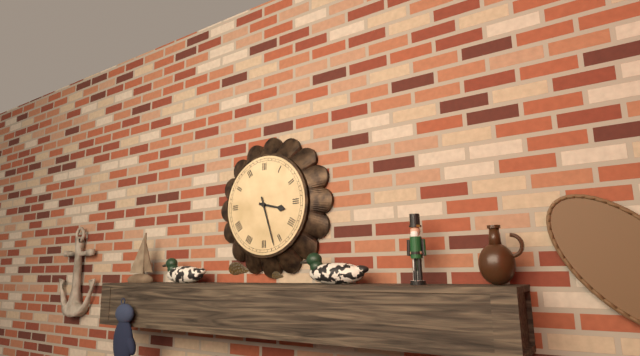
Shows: h=3 m=27
